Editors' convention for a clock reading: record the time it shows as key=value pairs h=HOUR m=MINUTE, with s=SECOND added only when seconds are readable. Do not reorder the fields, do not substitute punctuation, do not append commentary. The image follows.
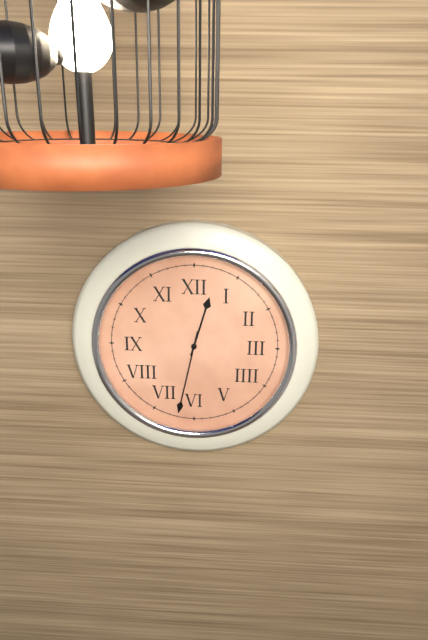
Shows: h=12 m=32
